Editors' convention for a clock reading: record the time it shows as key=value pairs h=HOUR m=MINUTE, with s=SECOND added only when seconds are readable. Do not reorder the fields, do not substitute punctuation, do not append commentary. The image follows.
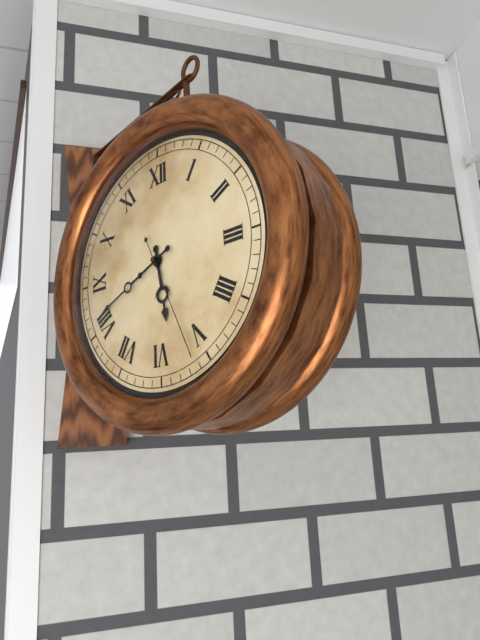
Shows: h=5 m=41 s=26
